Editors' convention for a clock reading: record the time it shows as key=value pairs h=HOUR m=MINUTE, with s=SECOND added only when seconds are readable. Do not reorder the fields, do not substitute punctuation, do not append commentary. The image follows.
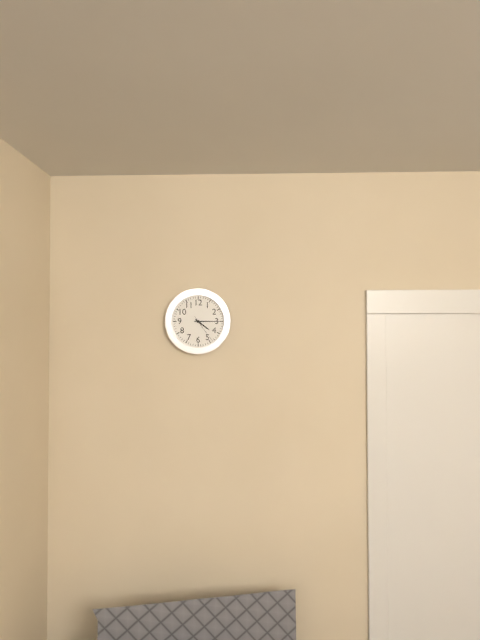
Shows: h=4 m=15
